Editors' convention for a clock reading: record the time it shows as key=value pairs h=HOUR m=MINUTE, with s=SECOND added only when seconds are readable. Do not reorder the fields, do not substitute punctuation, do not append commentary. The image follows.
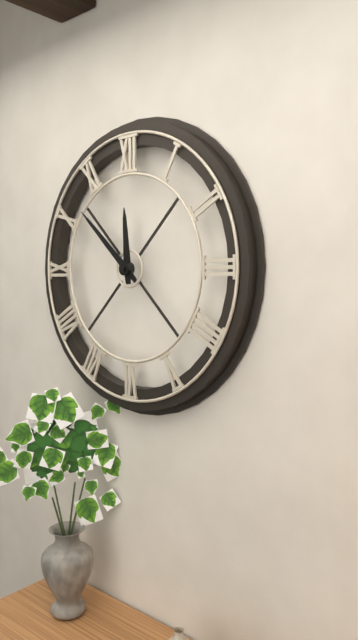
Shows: h=11 m=52
